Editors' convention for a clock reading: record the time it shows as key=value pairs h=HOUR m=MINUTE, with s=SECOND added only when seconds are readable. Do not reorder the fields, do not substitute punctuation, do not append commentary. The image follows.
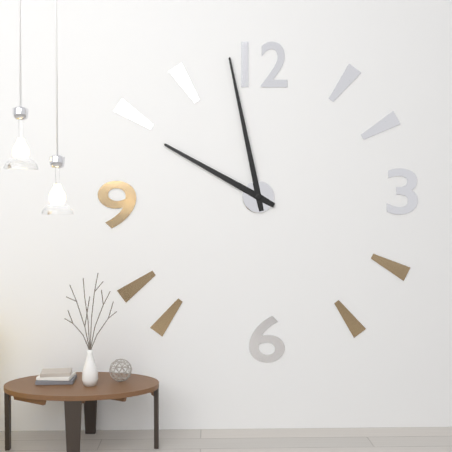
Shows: h=9 m=58
